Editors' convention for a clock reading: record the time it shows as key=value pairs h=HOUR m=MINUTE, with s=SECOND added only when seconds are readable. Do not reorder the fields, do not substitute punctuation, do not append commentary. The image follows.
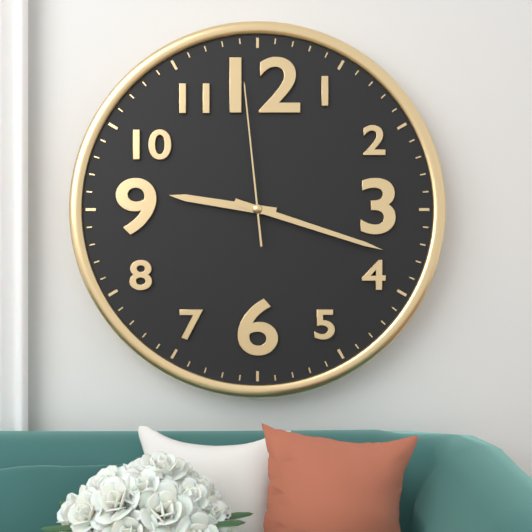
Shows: h=9 m=18 s=59
